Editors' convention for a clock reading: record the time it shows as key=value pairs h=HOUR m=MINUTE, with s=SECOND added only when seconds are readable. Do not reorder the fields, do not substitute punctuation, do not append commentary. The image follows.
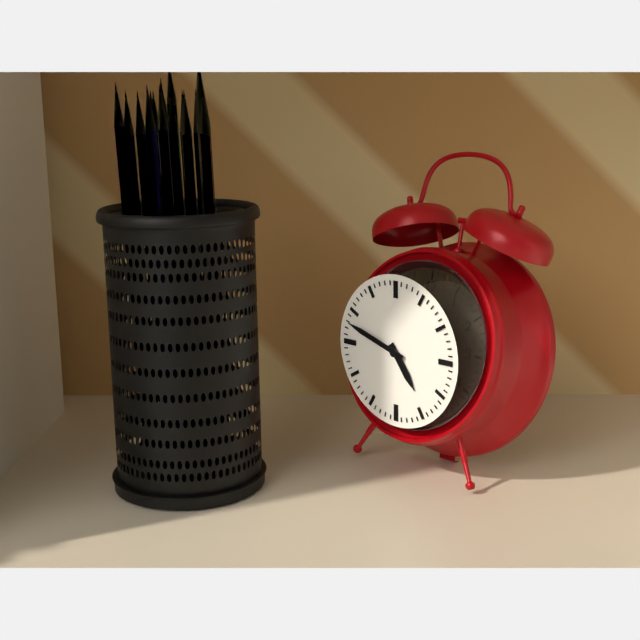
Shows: h=4 m=48
